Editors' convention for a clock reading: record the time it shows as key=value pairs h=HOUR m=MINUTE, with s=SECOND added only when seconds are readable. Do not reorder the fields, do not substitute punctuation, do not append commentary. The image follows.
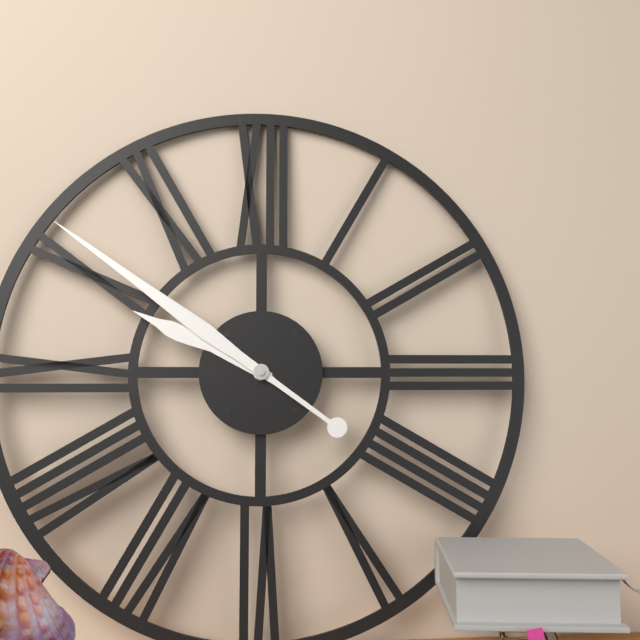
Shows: h=9 m=51
